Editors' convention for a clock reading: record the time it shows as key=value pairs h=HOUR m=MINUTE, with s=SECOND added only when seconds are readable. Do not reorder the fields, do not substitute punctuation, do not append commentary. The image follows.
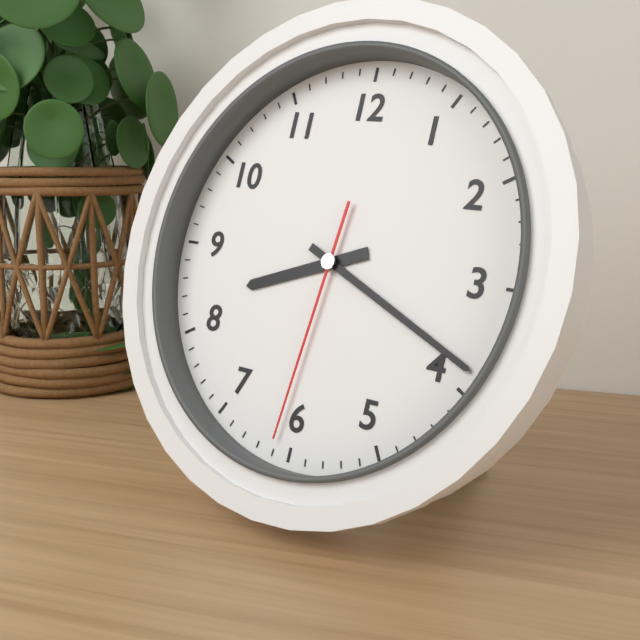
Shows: h=8 m=19 s=31
